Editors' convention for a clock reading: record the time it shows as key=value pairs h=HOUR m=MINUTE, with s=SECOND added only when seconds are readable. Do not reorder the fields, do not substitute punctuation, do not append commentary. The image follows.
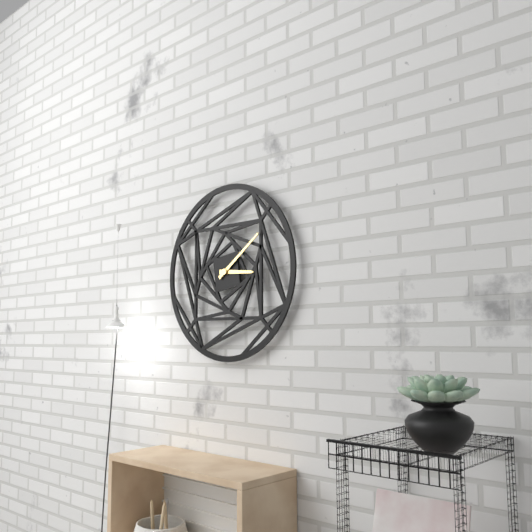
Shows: h=3 m=9
